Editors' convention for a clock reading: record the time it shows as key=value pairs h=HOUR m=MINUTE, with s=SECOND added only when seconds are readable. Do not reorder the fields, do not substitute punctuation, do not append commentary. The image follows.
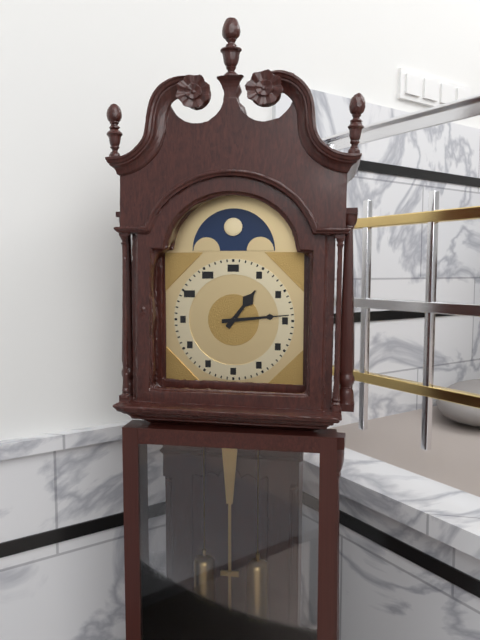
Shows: h=1 m=14
